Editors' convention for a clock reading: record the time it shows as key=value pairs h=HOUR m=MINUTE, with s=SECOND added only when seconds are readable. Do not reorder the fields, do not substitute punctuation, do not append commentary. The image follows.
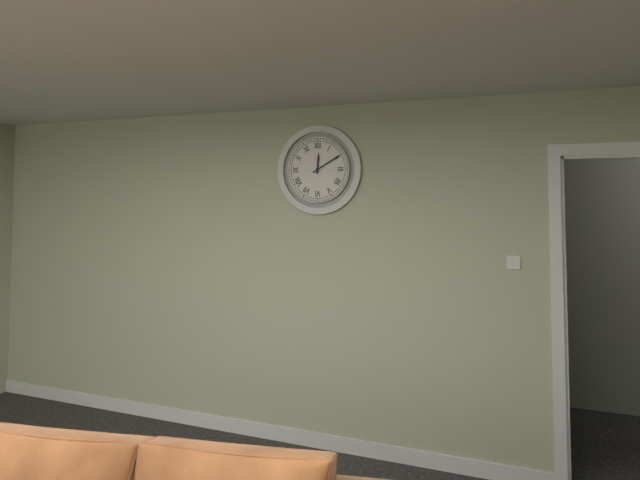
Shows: h=12 m=10
